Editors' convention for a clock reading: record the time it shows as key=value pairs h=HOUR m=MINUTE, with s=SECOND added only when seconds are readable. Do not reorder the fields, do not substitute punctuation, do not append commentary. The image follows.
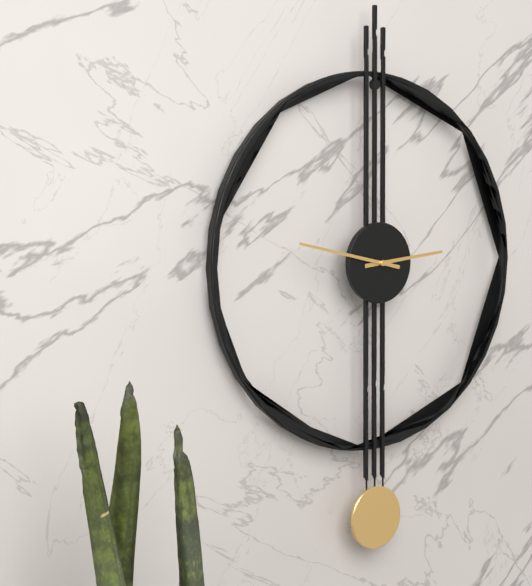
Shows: h=2 m=47
